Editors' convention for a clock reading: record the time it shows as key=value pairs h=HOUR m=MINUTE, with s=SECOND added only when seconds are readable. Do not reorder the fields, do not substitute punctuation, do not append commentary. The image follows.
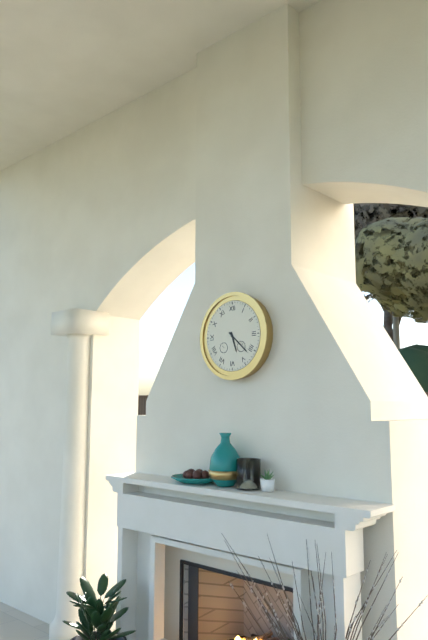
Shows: h=5 m=22
